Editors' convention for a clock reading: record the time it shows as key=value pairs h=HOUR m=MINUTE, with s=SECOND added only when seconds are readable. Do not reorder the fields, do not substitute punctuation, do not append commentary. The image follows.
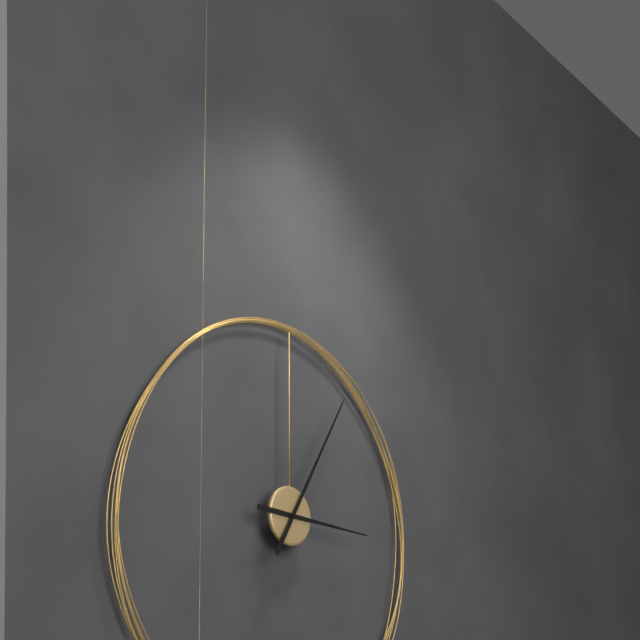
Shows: h=3 m=5
